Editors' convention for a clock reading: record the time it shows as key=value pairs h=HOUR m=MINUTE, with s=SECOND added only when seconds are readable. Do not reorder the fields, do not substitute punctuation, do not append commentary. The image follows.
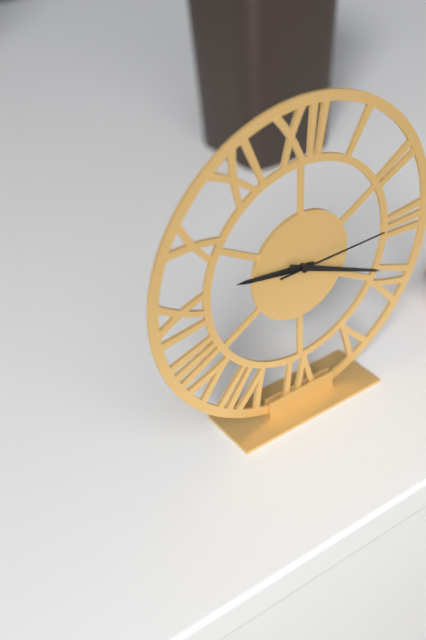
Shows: h=9 m=19 s=15
